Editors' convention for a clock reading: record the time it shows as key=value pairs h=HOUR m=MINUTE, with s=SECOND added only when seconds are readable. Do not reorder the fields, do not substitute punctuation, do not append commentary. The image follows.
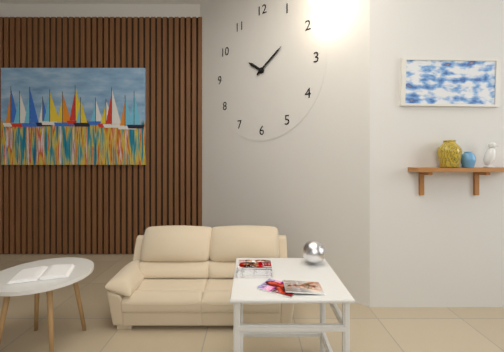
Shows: h=10 m=9
